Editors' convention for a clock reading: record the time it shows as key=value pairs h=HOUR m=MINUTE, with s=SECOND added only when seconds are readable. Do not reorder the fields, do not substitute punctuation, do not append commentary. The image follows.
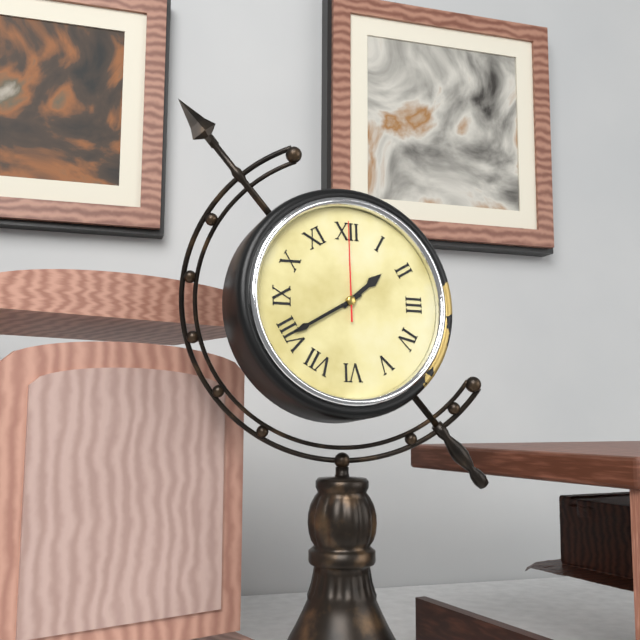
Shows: h=1 m=40 s=0
